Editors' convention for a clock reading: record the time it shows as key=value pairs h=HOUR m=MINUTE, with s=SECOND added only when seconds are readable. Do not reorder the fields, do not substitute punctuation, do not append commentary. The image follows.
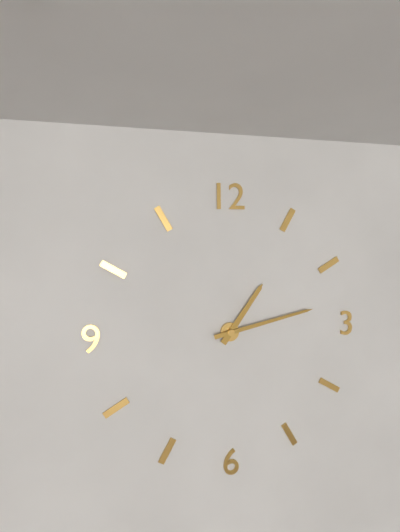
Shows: h=1 m=13
